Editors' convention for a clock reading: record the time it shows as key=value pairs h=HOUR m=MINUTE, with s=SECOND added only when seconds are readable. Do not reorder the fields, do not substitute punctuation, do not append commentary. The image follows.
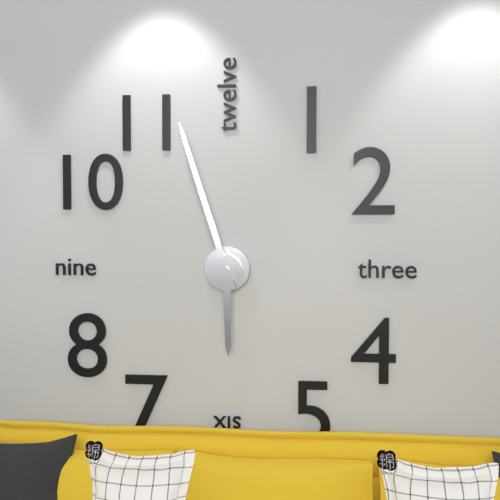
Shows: h=5 m=57
